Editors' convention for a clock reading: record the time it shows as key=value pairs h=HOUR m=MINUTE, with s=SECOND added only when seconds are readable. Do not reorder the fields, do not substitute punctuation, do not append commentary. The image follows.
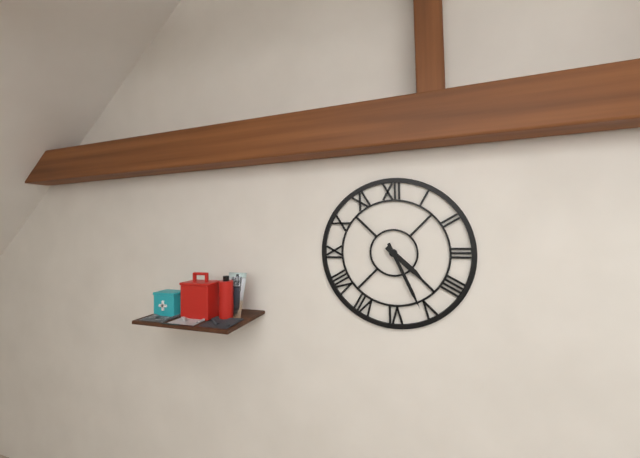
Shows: h=4 m=26
